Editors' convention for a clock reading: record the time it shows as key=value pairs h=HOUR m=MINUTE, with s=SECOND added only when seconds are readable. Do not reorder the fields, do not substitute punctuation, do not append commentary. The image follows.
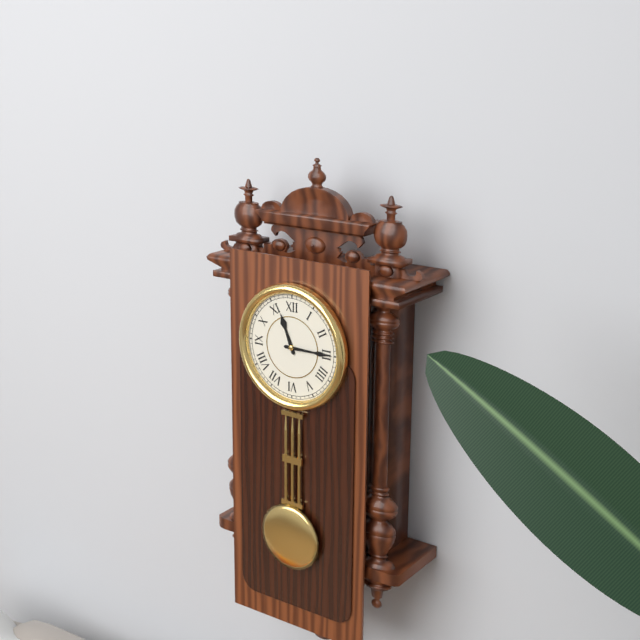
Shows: h=11 m=15
